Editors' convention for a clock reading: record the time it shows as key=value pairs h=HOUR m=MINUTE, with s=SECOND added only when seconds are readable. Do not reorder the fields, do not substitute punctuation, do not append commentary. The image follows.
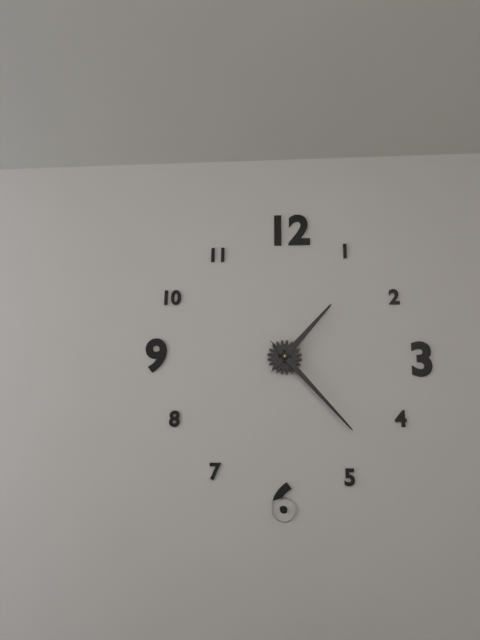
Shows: h=1 m=23
